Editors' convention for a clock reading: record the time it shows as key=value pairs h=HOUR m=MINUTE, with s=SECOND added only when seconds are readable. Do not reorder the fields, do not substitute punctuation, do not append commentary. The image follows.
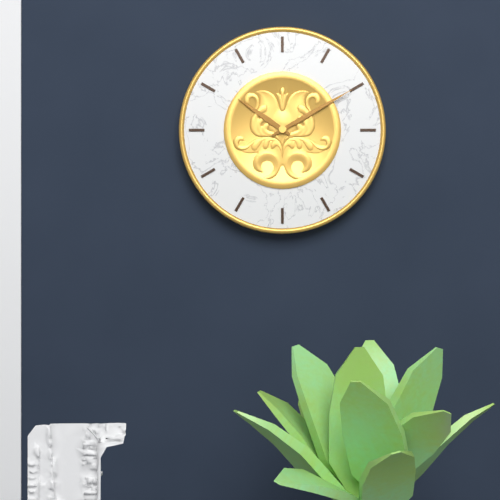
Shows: h=10 m=10
